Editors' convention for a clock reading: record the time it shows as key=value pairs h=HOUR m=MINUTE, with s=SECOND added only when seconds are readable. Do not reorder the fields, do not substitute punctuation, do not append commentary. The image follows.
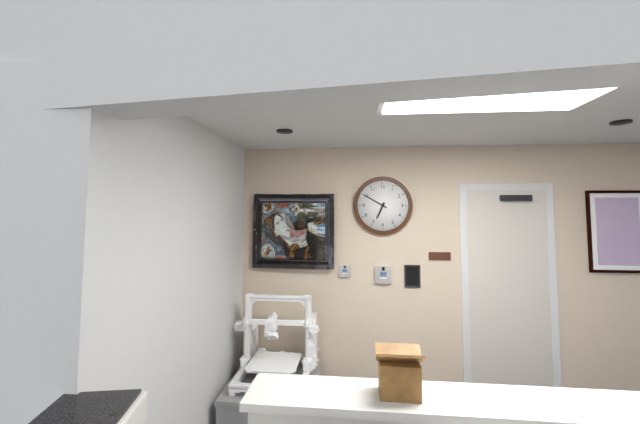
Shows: h=6 m=50
